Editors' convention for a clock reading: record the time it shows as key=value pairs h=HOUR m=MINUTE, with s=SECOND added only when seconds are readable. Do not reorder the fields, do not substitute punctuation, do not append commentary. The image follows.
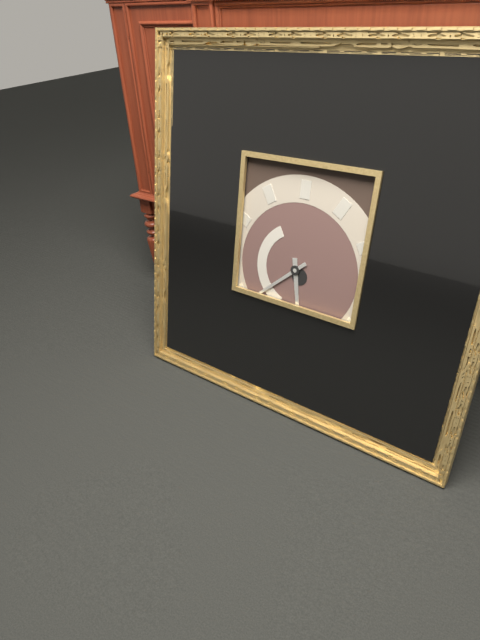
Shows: h=5 m=38
